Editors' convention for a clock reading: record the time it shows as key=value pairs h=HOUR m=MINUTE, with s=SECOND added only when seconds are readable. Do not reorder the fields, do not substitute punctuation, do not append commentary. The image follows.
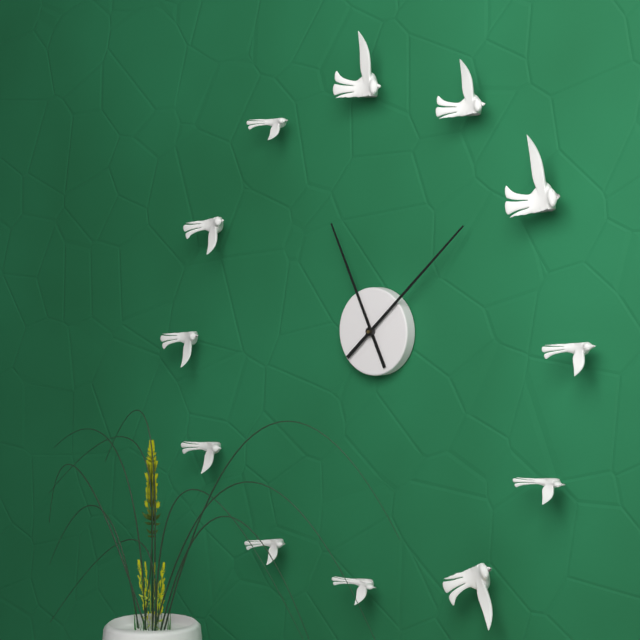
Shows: h=11 m=8
